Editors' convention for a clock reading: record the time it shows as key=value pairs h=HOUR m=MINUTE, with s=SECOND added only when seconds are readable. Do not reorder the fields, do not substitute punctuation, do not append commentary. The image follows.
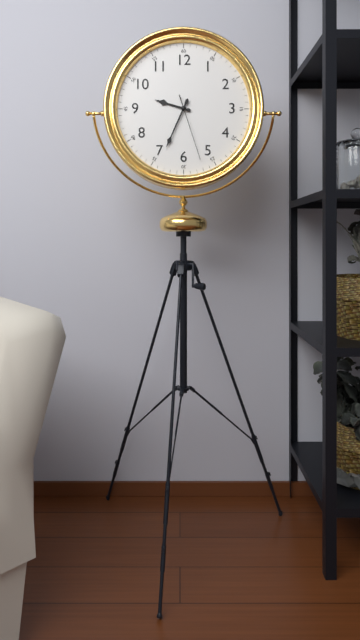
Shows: h=9 m=34 s=27
